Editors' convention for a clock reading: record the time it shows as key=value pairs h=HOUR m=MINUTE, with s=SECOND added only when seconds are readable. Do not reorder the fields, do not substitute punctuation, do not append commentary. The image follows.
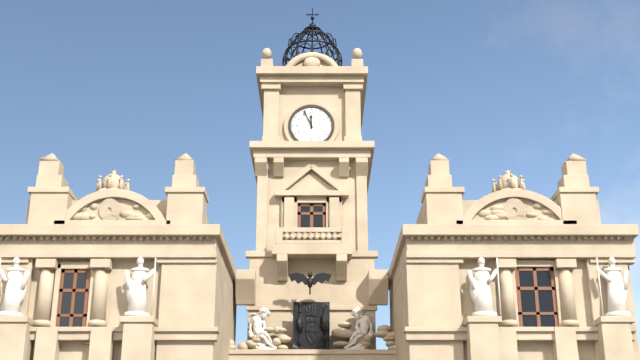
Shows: h=11 m=56
